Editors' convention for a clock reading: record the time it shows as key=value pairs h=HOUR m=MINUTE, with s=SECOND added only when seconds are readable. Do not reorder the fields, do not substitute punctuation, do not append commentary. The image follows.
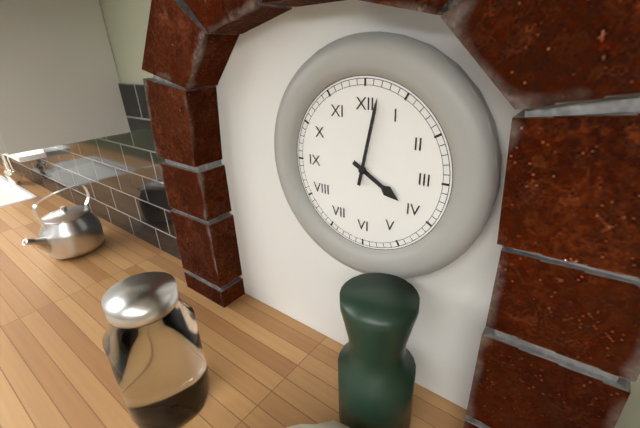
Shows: h=4 m=2
